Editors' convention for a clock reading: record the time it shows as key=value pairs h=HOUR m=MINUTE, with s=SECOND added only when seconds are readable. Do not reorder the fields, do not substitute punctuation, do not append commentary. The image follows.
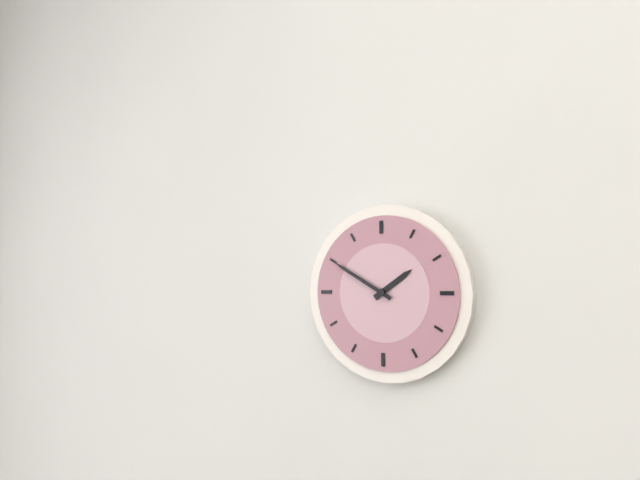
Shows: h=1 m=50
